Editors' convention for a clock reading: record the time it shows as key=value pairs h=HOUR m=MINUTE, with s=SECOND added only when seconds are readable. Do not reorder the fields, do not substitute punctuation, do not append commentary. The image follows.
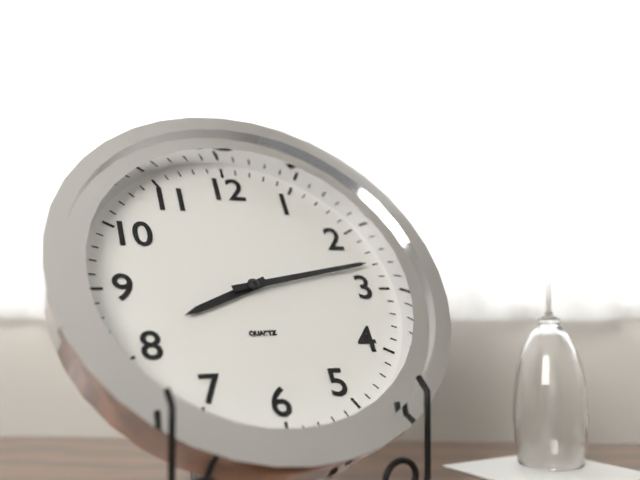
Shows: h=8 m=13
